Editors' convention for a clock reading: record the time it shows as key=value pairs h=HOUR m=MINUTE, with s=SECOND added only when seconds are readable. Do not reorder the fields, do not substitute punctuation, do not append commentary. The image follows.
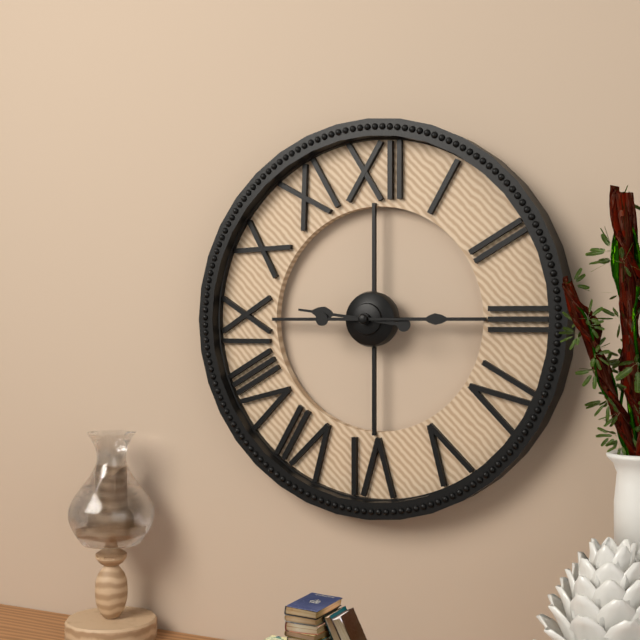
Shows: h=9 m=15
